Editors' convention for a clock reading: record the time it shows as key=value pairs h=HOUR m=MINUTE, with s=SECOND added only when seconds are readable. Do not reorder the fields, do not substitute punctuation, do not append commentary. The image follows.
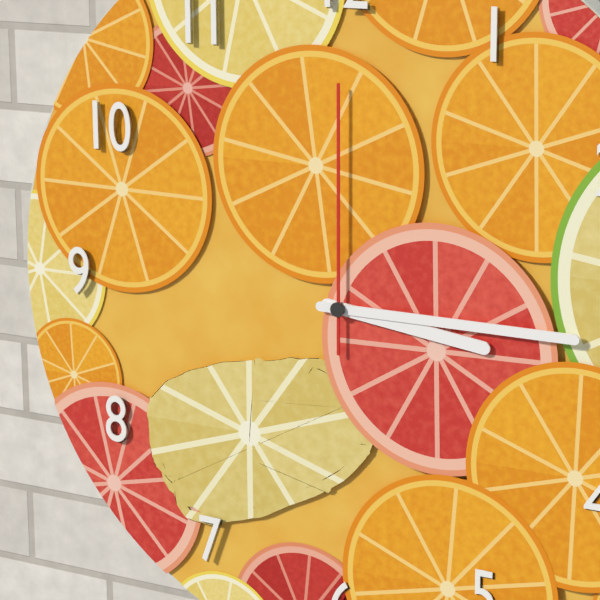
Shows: h=3 m=15 s=0
